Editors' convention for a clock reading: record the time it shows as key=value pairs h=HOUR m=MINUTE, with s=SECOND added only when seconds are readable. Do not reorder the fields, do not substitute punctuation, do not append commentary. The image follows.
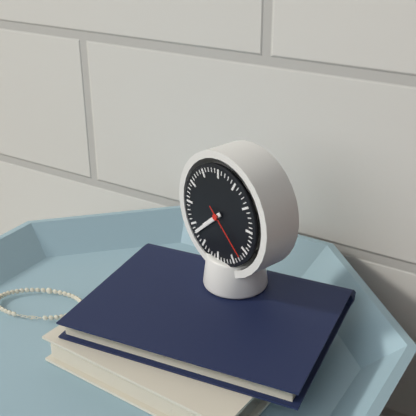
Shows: h=7 m=38 s=22
